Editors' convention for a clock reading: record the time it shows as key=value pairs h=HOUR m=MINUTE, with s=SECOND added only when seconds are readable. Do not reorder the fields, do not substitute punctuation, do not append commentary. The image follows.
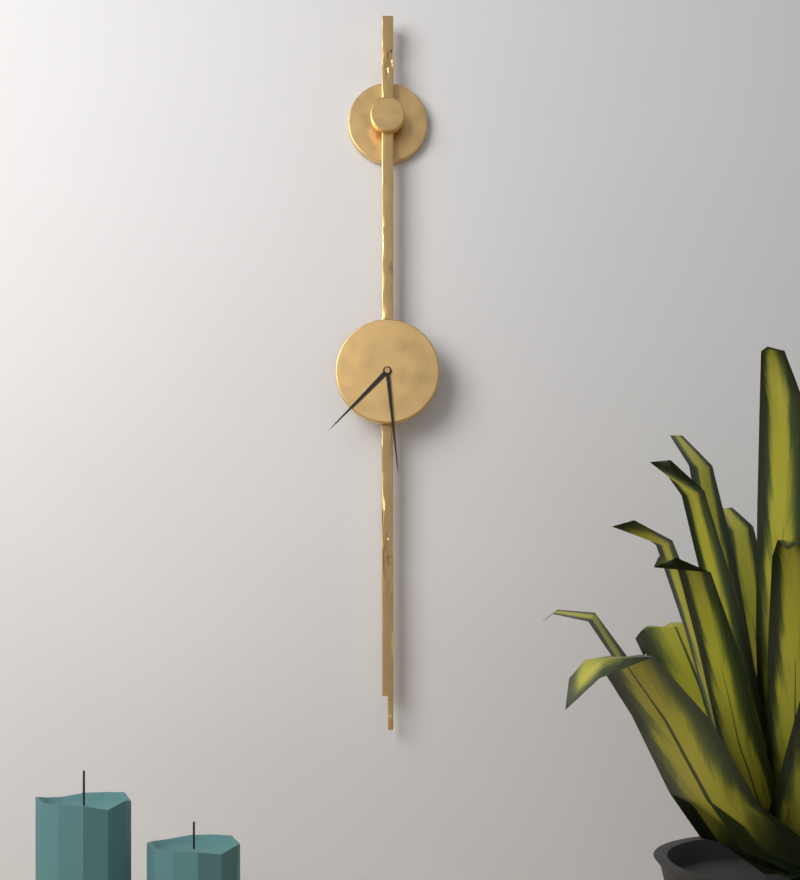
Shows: h=7 m=29
